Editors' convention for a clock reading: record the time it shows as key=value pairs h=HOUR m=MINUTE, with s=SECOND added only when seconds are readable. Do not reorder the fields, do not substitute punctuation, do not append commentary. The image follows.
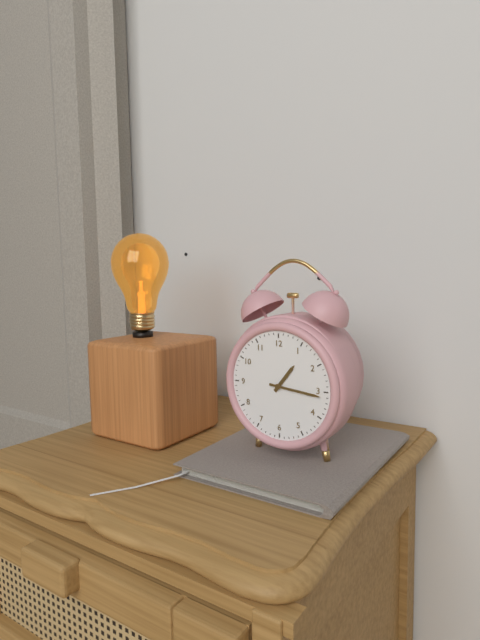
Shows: h=1 m=16
